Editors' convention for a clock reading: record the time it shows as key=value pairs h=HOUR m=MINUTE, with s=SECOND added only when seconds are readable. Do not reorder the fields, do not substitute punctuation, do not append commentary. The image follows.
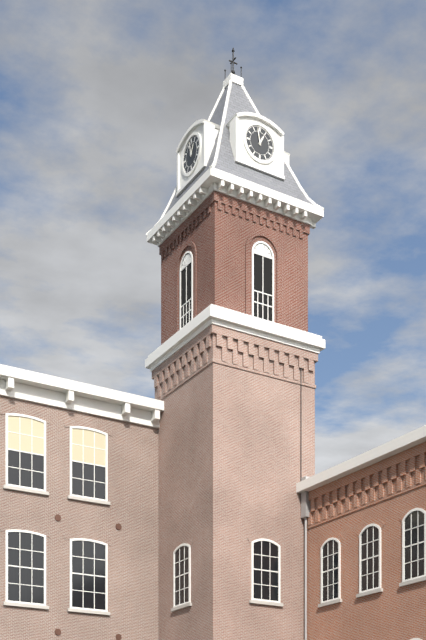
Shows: h=12 m=58
